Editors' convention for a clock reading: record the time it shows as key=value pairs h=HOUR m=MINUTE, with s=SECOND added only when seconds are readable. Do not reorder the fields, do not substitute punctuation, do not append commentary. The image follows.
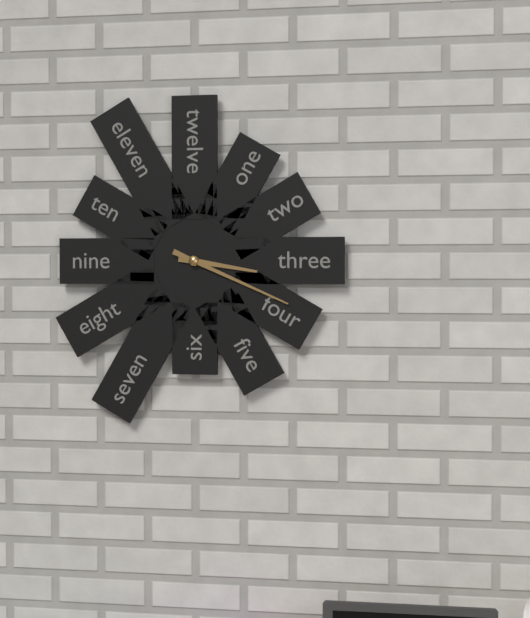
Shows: h=3 m=19
